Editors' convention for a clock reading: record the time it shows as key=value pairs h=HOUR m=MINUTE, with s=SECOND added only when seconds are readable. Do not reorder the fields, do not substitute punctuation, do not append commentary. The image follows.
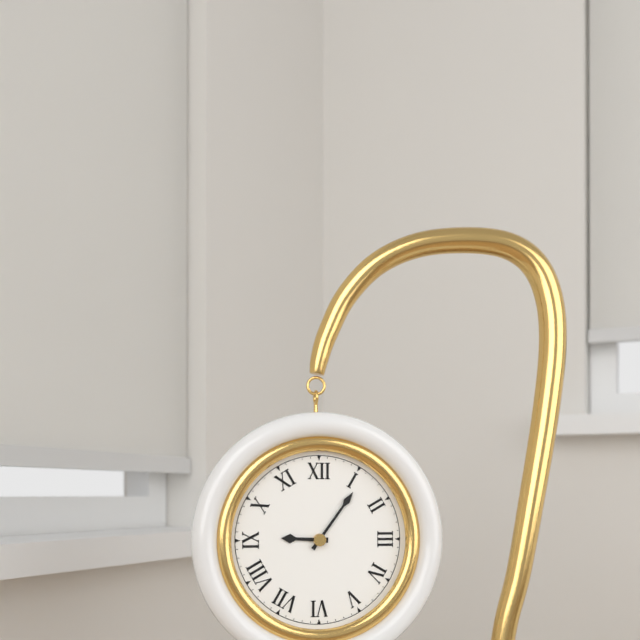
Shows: h=9 m=6
